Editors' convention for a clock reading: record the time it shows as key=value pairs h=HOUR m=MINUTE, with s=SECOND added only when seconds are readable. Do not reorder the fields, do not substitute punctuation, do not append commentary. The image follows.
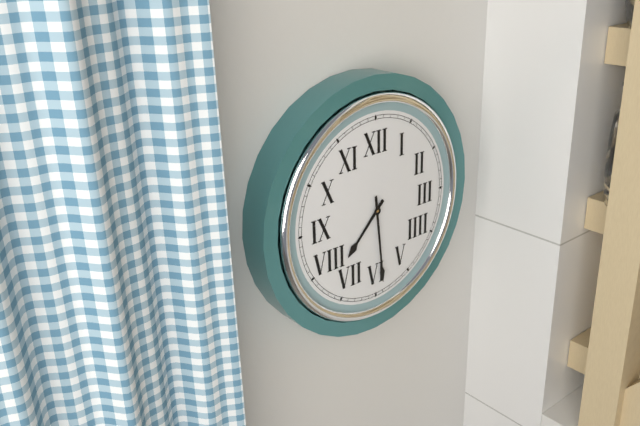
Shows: h=7 m=29
